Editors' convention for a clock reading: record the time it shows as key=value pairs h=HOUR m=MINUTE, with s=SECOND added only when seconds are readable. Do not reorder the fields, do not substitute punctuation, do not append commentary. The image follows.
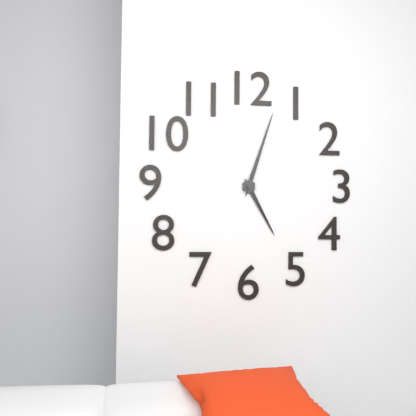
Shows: h=5 m=3
